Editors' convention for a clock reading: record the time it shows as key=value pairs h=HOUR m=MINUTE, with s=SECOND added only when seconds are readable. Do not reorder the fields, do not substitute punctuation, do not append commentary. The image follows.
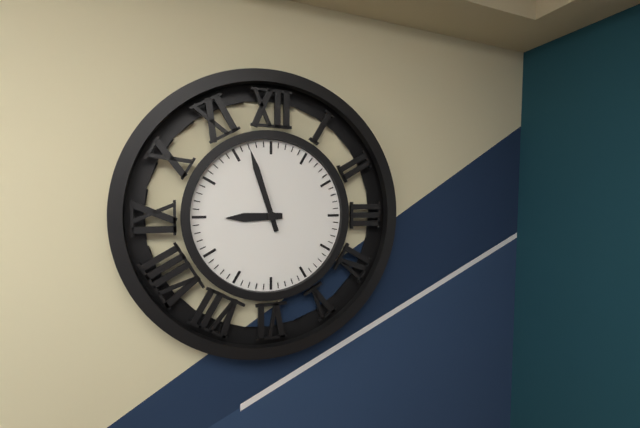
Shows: h=8 m=57
